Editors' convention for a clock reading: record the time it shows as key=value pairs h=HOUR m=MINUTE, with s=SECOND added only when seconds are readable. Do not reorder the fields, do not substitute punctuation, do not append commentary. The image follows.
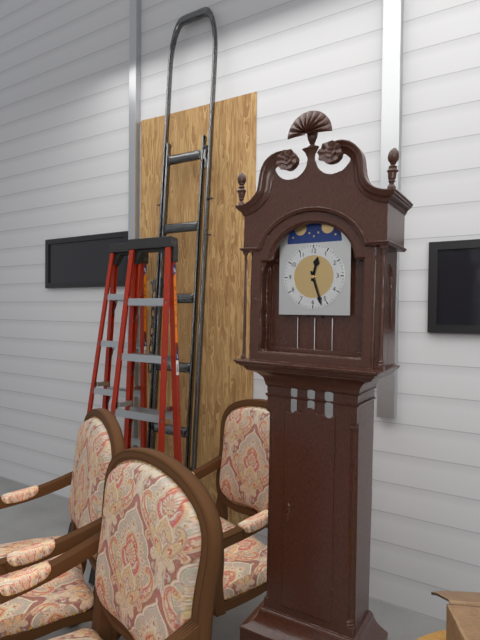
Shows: h=12 m=27
